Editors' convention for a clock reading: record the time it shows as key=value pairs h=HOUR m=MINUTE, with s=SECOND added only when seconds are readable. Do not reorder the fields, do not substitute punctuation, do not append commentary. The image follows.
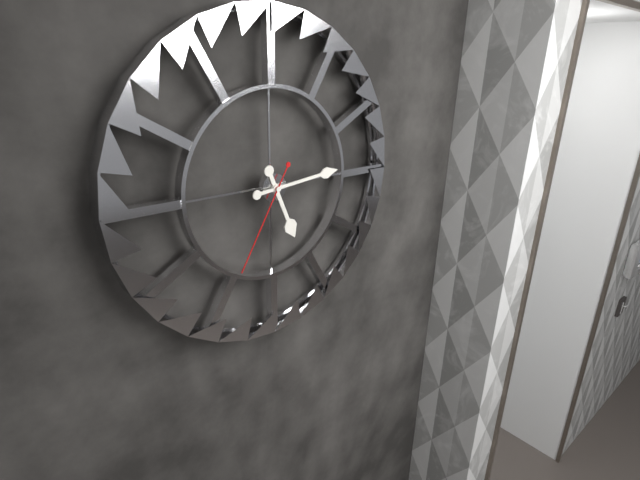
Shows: h=5 m=14 s=35
